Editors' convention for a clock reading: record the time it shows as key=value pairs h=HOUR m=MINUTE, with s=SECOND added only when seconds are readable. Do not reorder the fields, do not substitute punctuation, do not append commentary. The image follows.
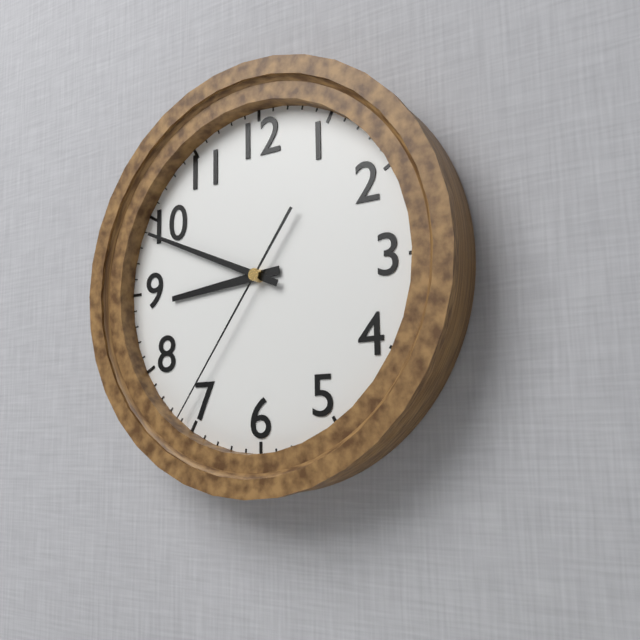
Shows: h=8 m=49 s=36
